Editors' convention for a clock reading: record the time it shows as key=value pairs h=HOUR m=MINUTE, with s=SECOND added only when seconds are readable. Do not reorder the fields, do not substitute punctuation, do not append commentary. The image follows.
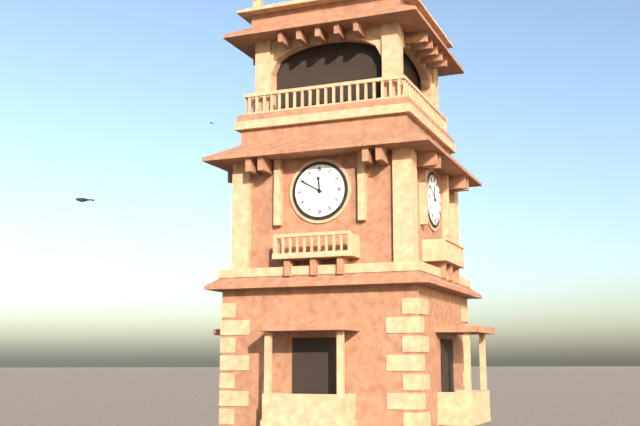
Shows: h=11 m=50
